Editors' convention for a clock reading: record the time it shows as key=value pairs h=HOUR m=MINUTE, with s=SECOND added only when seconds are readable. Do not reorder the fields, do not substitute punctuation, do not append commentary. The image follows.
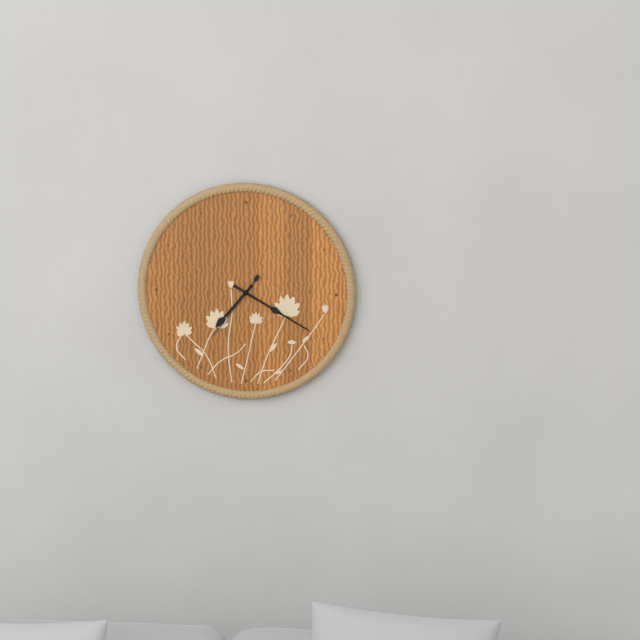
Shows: h=7 m=20 s=36
